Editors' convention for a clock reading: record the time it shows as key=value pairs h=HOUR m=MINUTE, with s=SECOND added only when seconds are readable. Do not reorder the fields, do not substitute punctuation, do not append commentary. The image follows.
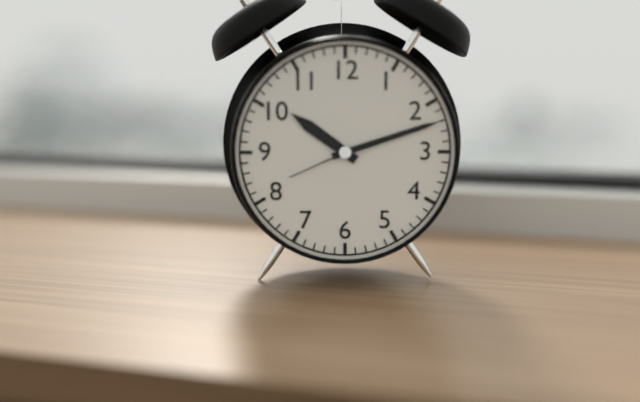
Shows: h=10 m=12 s=41
